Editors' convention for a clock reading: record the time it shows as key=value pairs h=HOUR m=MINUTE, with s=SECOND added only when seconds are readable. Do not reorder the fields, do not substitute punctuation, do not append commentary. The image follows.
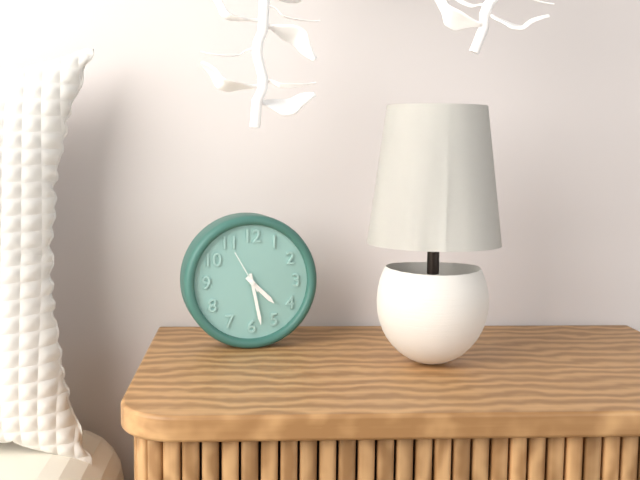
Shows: h=4 m=28
